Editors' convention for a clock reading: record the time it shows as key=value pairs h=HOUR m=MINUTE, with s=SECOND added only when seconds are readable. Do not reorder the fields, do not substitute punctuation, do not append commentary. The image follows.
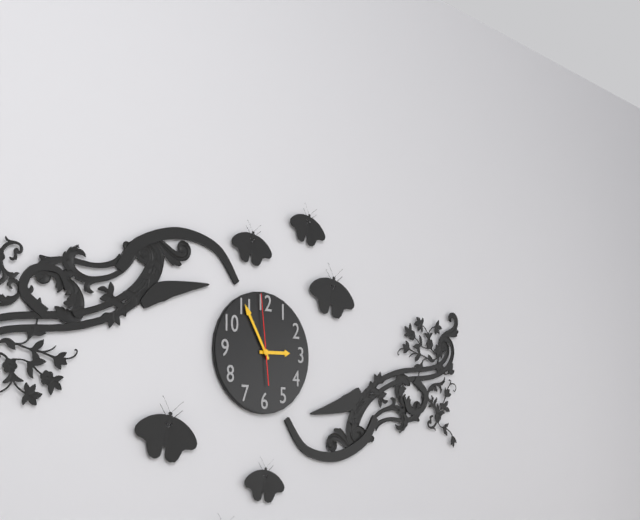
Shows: h=2 m=55 s=59
